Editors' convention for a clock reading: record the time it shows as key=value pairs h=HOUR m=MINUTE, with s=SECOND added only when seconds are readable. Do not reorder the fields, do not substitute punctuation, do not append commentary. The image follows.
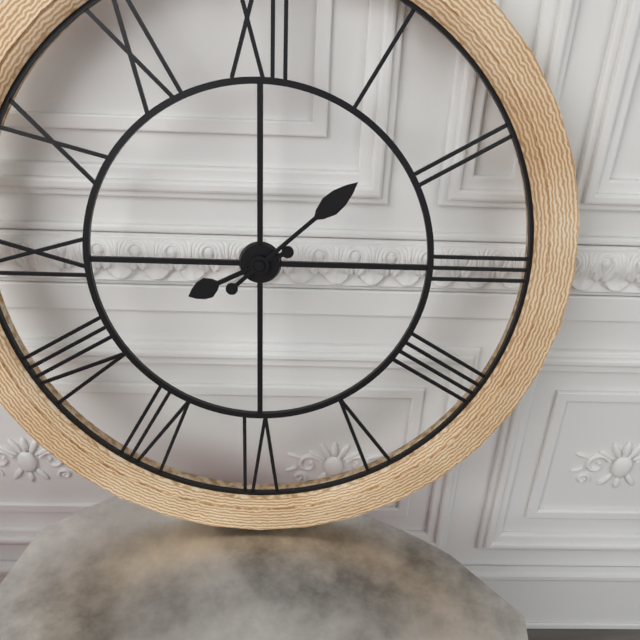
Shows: h=8 m=8
